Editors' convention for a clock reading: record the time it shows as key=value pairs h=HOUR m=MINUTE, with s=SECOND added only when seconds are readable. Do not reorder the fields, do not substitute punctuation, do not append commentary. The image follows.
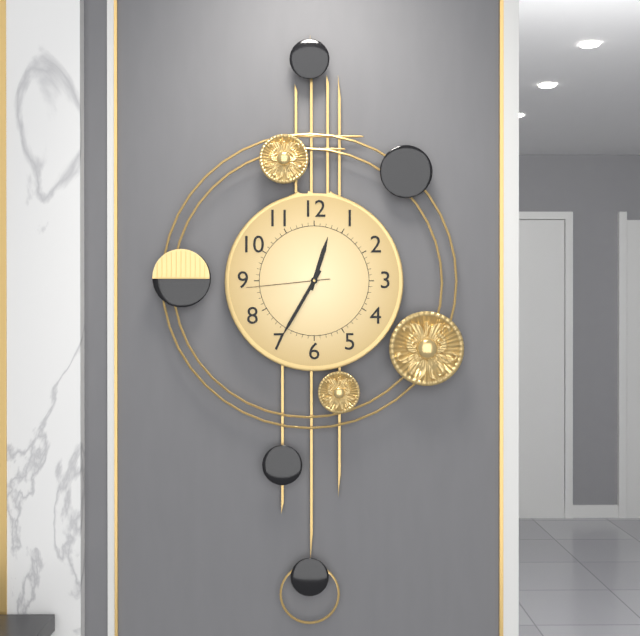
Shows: h=12 m=35 s=44
